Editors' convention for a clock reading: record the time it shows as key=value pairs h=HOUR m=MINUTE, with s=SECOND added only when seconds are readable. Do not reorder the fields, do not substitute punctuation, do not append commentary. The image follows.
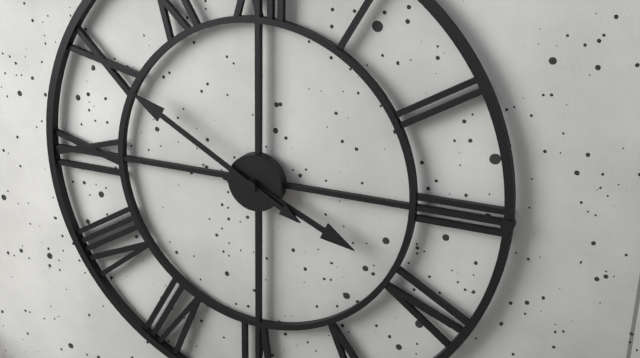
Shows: h=3 m=50
